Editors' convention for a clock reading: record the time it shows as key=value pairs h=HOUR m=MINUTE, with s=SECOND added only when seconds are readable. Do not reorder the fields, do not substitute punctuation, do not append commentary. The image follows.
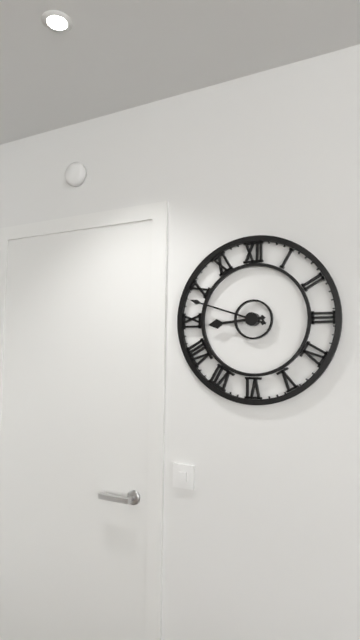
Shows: h=8 m=48
